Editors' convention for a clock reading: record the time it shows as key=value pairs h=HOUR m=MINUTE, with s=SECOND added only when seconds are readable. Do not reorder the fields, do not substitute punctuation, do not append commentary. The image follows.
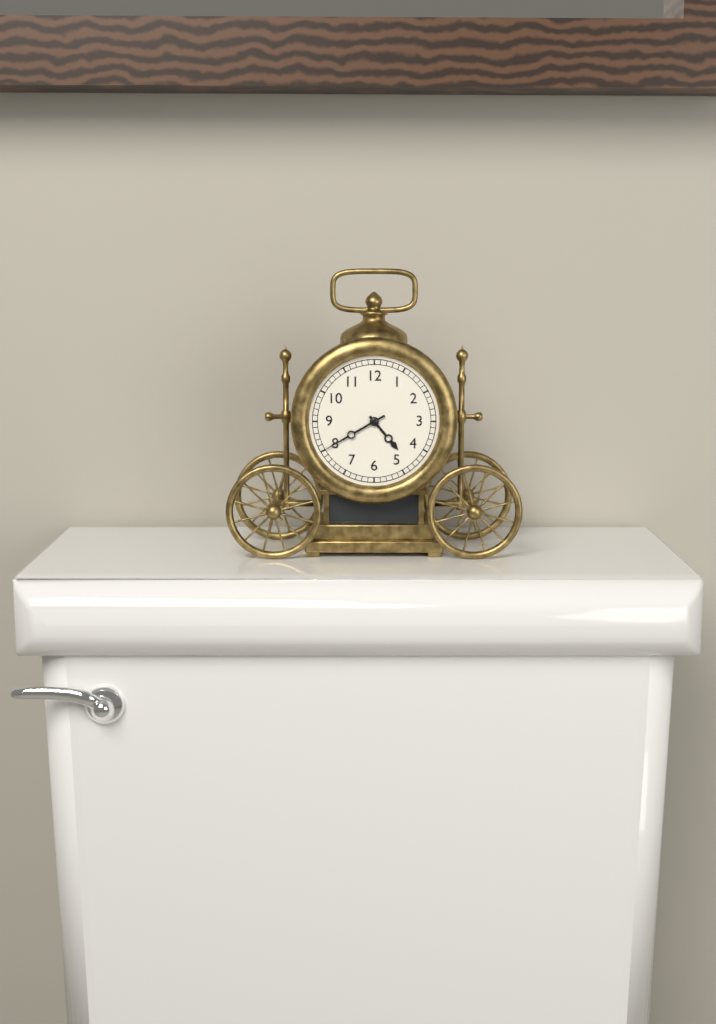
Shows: h=4 m=40
